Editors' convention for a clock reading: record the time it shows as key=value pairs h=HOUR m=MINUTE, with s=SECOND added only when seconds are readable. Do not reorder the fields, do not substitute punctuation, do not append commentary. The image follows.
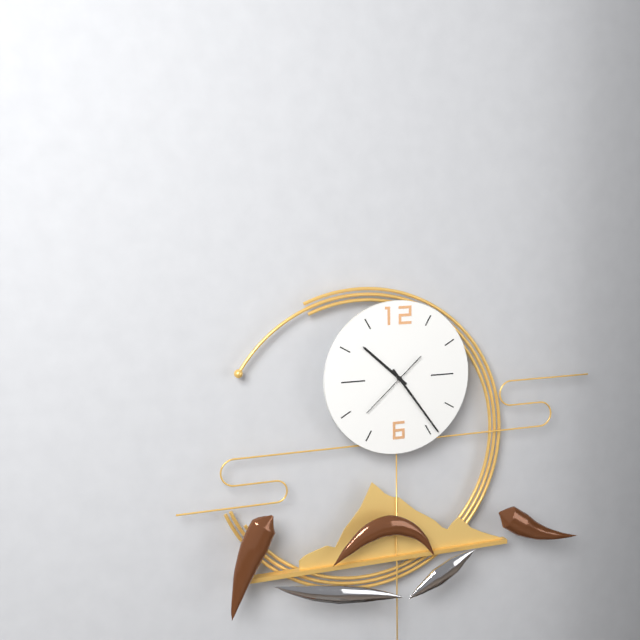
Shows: h=10 m=24 s=38
